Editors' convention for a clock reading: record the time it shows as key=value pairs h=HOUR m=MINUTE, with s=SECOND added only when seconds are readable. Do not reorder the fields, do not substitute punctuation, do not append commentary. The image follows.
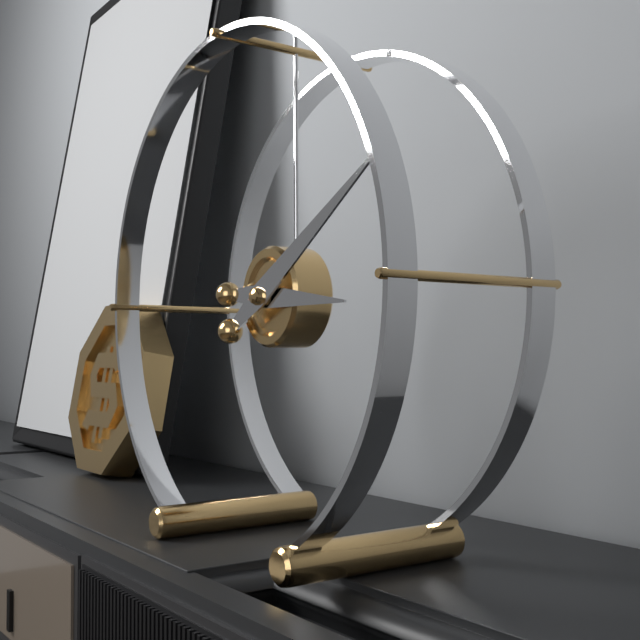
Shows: h=3 m=10
